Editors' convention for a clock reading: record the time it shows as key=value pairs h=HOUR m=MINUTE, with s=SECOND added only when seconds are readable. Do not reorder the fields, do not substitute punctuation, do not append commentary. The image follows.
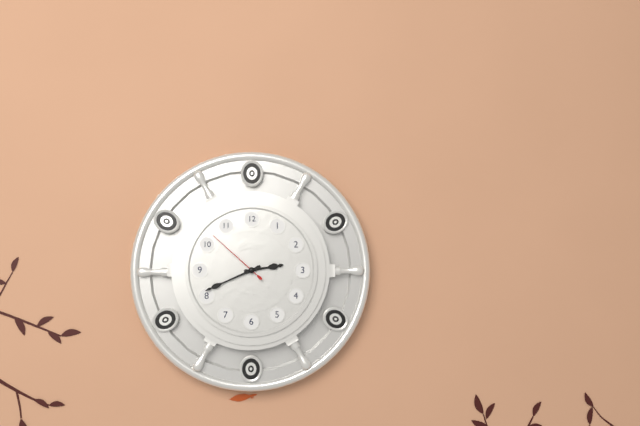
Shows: h=2 m=41 s=52
